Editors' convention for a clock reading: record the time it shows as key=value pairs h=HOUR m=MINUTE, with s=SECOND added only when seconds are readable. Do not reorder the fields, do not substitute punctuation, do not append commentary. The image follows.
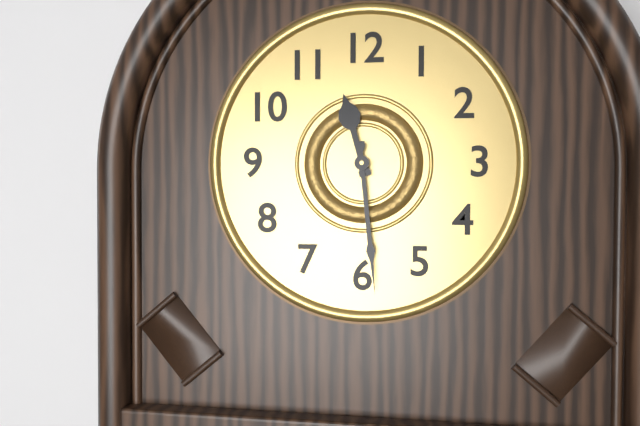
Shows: h=11 m=29
